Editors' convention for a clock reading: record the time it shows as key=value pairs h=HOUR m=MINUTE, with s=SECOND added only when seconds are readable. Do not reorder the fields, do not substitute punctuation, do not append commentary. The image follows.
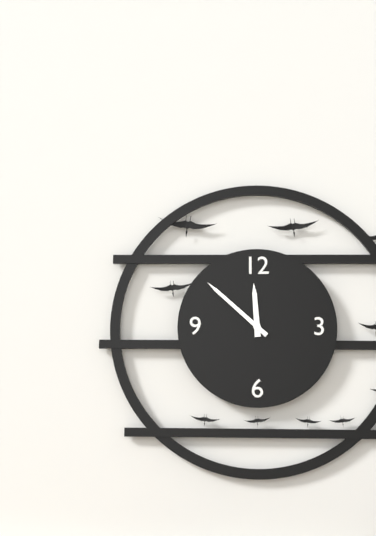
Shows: h=11 m=52
